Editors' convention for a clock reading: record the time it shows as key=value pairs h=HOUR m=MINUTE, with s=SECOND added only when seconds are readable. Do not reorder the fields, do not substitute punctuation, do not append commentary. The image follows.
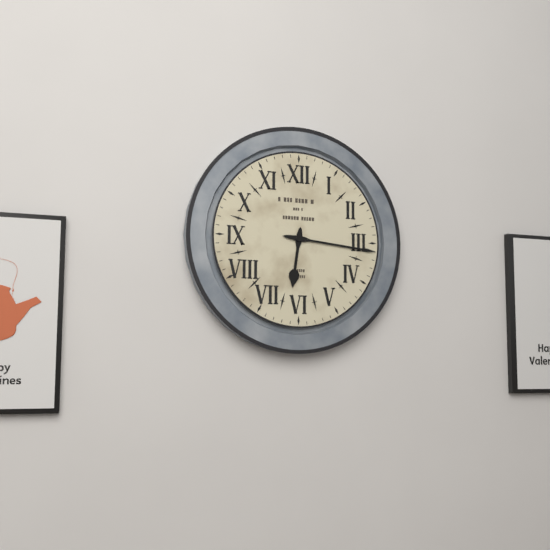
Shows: h=6 m=16
